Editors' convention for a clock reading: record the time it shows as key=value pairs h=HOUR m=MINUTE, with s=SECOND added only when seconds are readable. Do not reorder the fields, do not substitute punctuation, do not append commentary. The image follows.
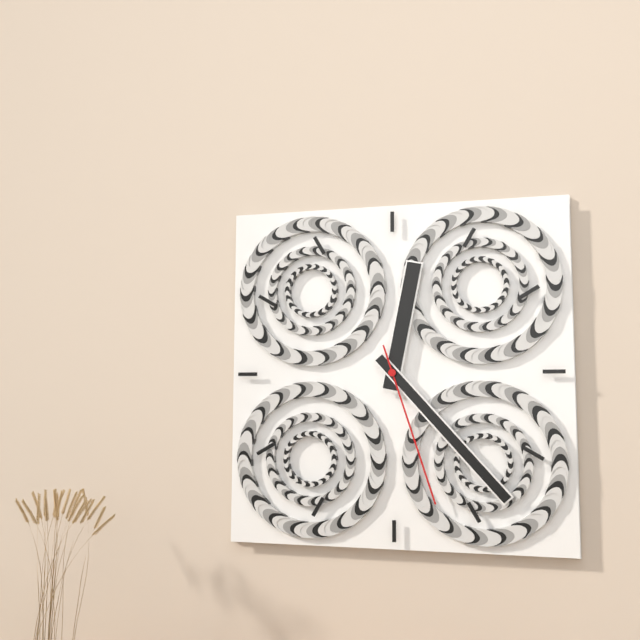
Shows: h=12 m=23 s=27
